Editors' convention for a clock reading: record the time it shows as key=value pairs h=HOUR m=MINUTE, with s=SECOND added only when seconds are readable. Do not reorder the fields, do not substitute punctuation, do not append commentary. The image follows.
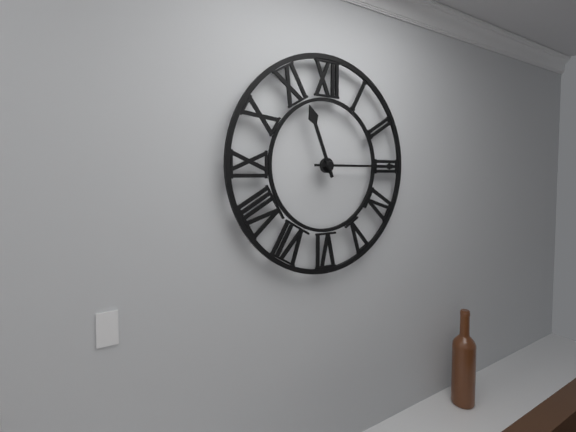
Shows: h=11 m=15
